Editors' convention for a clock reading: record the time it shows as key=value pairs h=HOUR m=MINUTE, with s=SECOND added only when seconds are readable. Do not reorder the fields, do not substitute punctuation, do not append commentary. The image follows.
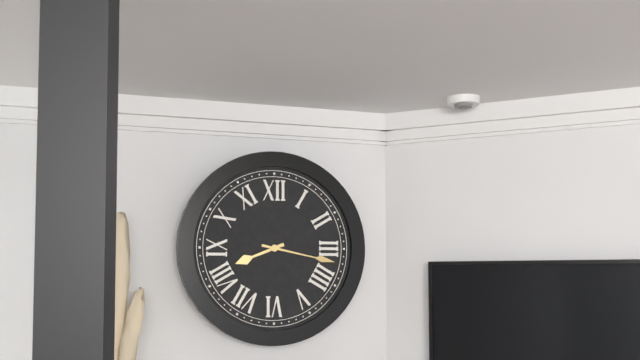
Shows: h=8 m=17
